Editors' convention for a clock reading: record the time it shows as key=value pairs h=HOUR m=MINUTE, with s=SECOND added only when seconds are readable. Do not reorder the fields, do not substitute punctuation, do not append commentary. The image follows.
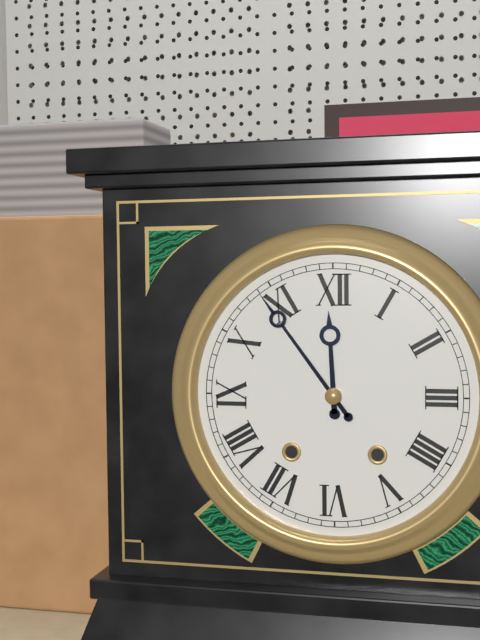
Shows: h=11 m=54
